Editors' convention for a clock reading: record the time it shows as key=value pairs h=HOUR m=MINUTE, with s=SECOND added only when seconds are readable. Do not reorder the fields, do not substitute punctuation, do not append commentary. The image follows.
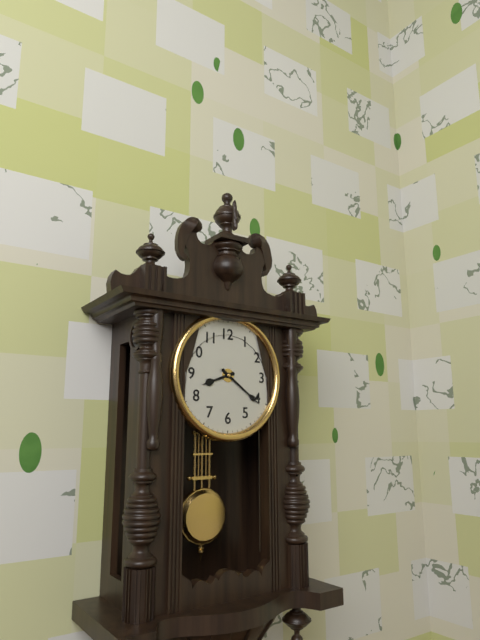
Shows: h=8 m=21
